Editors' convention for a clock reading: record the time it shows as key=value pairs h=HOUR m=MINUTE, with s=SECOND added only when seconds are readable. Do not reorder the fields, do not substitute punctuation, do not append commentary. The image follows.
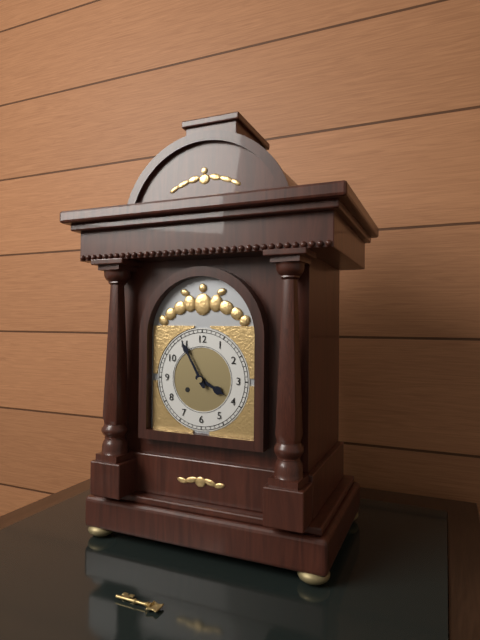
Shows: h=3 m=55
